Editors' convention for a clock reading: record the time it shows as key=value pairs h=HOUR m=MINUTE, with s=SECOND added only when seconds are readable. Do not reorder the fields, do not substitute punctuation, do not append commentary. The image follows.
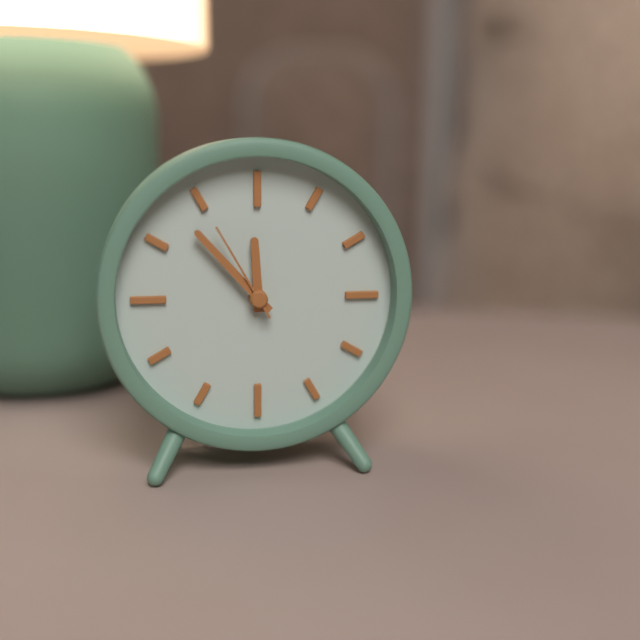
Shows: h=11 m=53 s=55
